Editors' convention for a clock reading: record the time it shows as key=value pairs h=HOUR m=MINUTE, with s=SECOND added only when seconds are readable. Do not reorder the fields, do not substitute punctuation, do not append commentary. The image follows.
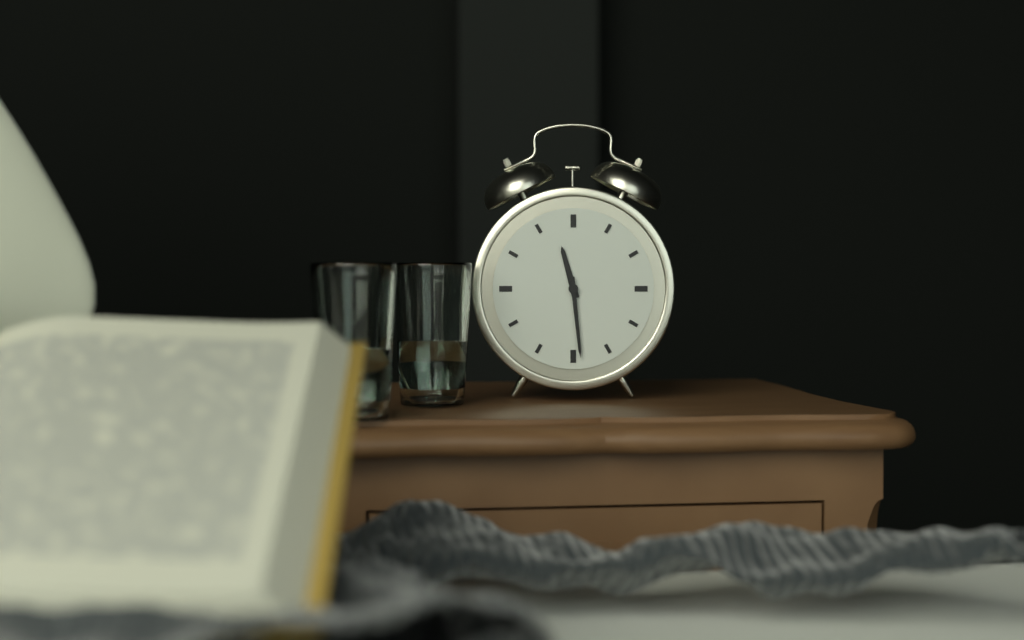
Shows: h=11 m=29
